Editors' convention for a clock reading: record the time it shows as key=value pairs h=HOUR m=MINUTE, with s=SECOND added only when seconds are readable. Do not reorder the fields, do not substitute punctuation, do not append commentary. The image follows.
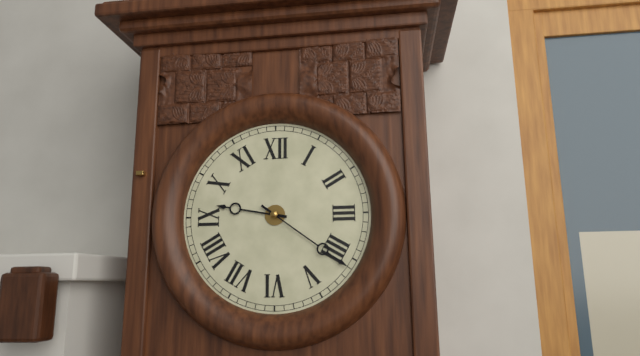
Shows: h=9 m=21
